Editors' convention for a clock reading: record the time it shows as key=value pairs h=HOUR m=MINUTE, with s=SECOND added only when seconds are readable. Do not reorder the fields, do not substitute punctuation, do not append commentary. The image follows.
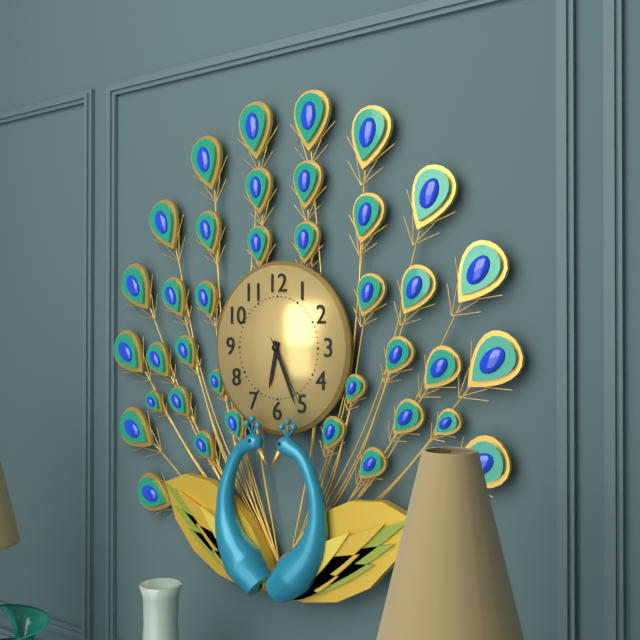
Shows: h=6 m=26 s=25
